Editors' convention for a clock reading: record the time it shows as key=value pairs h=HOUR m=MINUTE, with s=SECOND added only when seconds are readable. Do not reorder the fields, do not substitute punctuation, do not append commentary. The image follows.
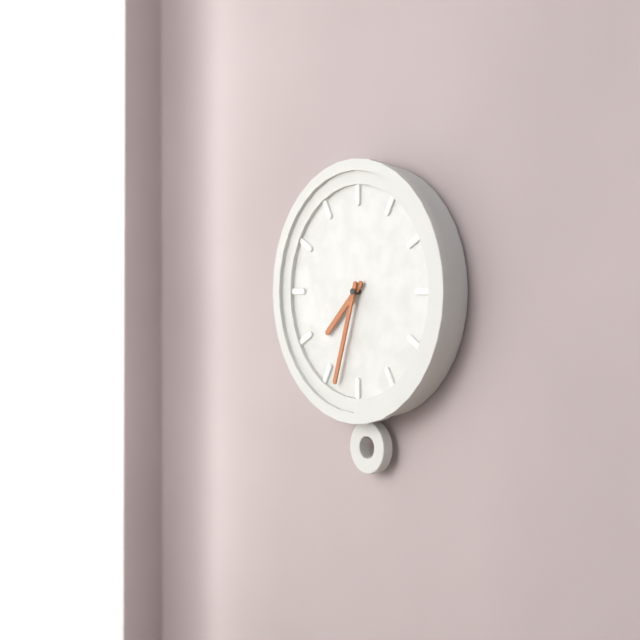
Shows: h=7 m=33
